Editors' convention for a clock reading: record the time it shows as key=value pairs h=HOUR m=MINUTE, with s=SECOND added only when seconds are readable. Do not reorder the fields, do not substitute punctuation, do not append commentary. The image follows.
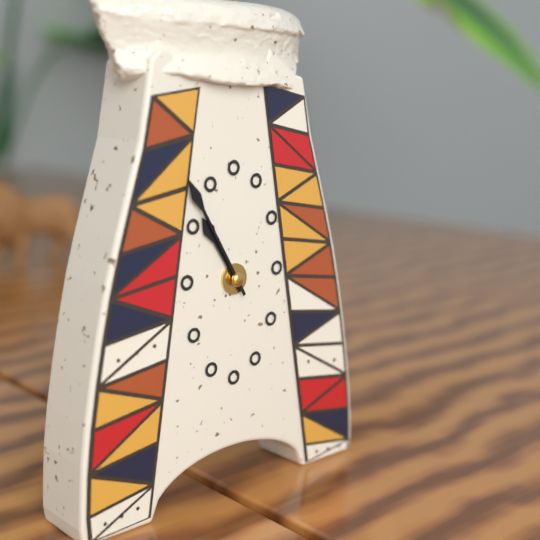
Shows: h=10 m=55
